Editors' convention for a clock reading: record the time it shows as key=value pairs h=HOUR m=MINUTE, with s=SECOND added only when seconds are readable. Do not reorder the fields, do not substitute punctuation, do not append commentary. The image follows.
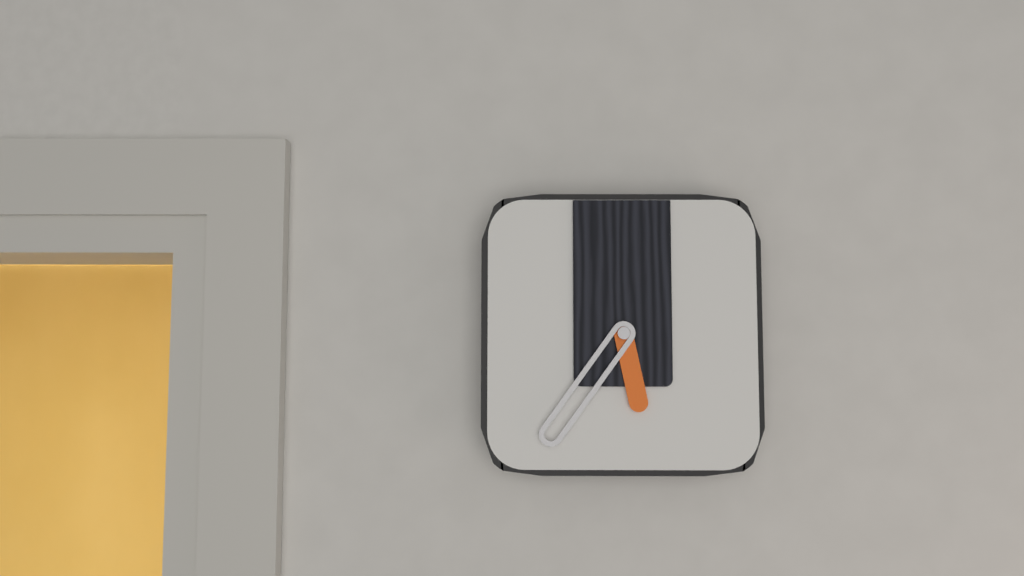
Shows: h=5 m=36
